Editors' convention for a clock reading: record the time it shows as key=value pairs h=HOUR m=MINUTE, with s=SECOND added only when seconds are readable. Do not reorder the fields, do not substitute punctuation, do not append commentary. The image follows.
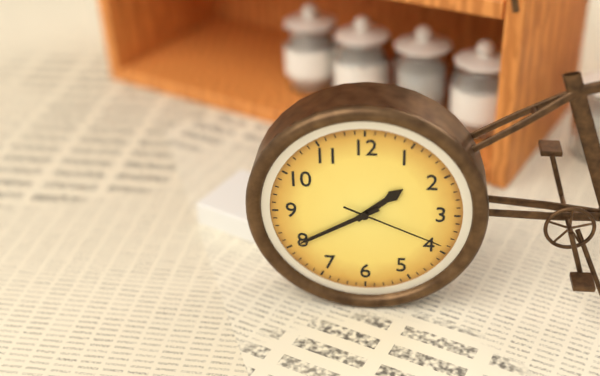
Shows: h=1 m=40 s=19
